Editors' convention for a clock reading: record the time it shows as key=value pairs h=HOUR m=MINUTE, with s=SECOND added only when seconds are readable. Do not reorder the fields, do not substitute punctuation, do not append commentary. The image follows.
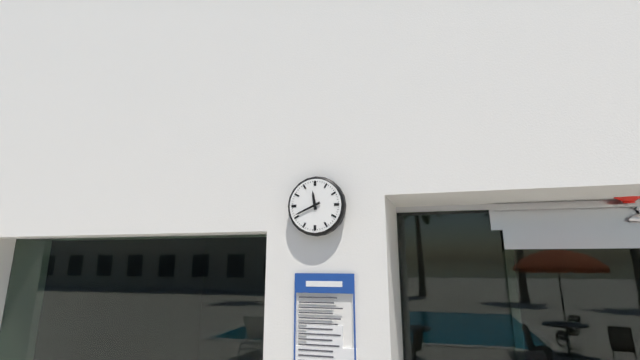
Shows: h=11 m=41
